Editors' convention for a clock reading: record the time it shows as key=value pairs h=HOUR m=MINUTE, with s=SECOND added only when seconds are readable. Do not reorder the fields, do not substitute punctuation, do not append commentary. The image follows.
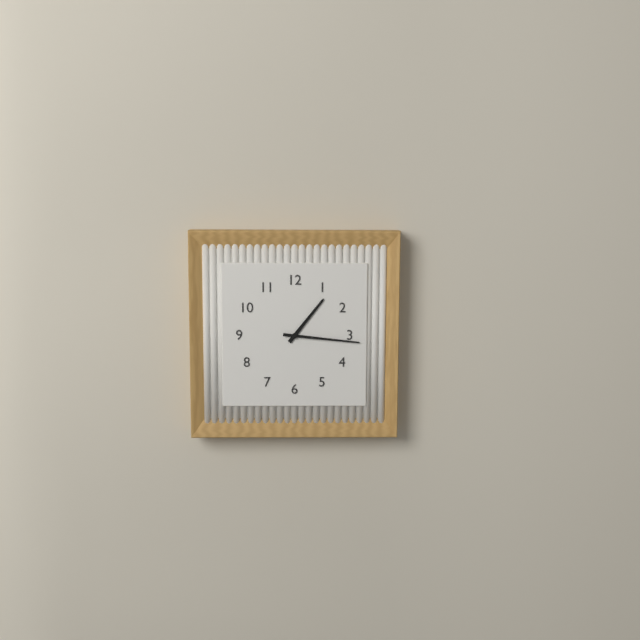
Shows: h=1 m=16
